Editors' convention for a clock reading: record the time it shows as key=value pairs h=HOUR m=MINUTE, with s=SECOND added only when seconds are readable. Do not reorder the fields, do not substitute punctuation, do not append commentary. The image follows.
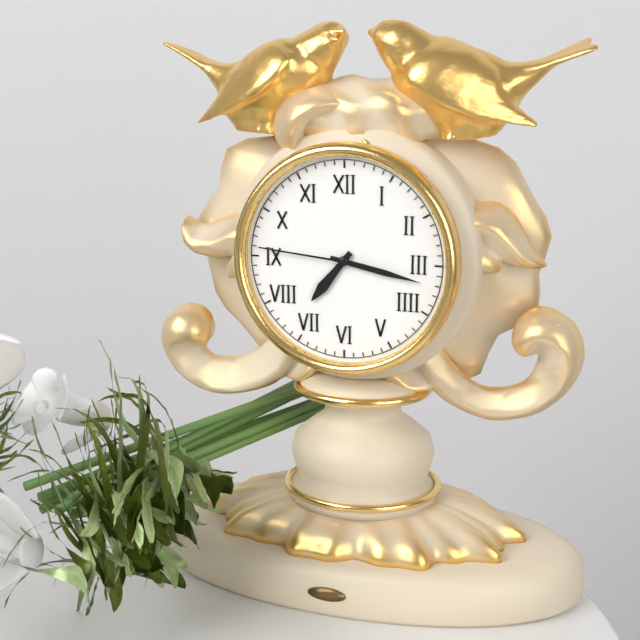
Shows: h=7 m=17 s=46
